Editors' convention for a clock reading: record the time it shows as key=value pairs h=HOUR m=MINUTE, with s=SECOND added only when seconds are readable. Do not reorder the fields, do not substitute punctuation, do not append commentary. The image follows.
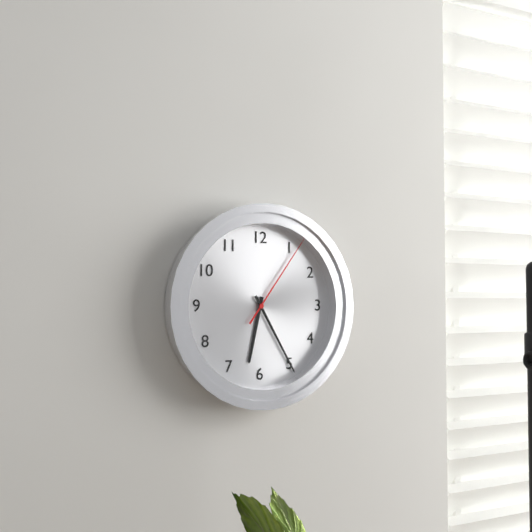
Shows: h=6 m=25 s=6
